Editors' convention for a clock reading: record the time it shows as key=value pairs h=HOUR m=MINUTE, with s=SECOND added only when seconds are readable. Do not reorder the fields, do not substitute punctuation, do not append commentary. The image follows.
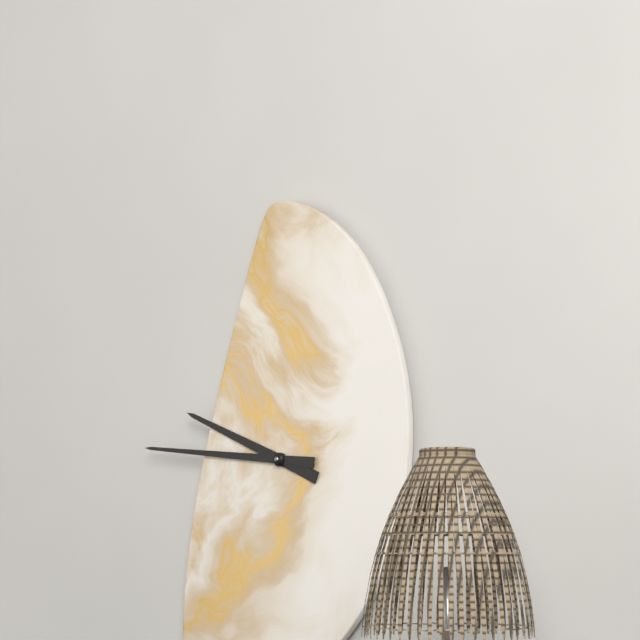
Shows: h=9 m=46
